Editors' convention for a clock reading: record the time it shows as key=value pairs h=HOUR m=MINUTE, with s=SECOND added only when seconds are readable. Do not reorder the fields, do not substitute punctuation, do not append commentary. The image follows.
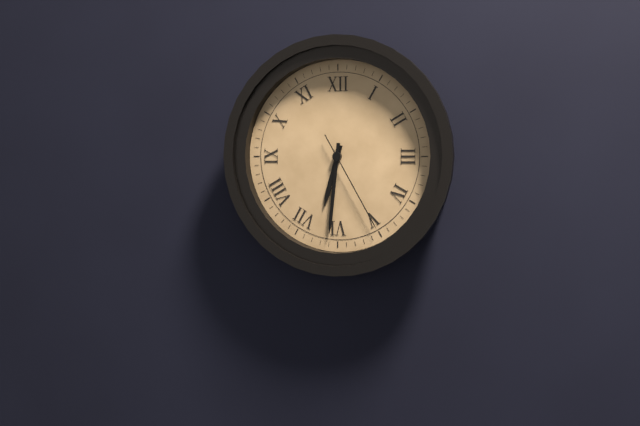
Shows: h=6 m=31 s=25
